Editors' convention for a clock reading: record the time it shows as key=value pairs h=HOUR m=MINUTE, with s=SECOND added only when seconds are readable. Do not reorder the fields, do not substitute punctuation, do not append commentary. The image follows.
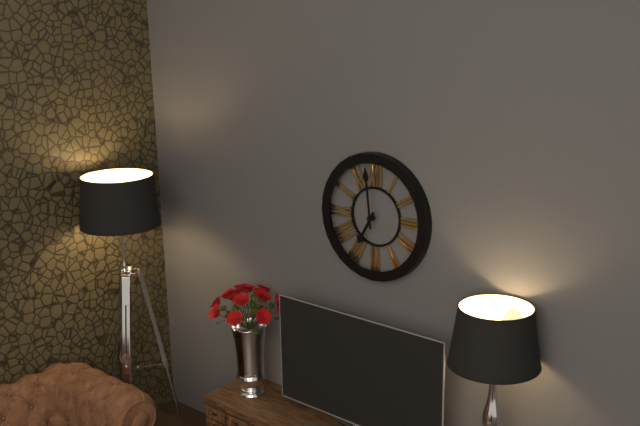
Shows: h=6 m=59
